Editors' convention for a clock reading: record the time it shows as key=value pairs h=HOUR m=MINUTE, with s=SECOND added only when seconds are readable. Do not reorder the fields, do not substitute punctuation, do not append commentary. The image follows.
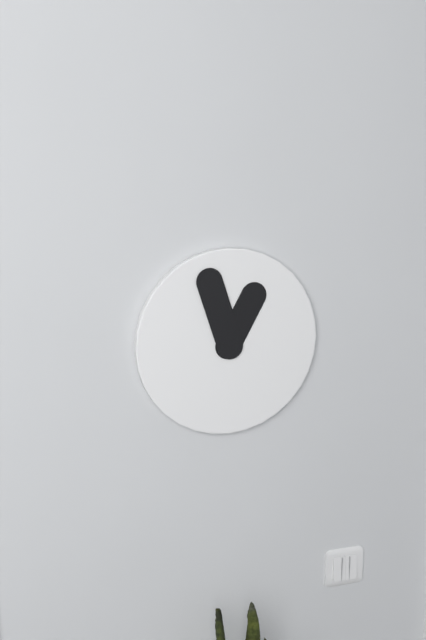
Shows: h=12 m=57
